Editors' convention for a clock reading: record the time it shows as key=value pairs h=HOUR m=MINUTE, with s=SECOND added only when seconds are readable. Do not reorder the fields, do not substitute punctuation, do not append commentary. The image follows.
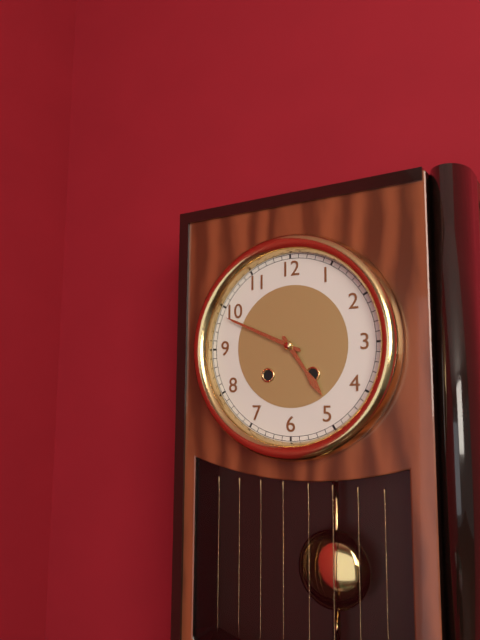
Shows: h=4 m=49
